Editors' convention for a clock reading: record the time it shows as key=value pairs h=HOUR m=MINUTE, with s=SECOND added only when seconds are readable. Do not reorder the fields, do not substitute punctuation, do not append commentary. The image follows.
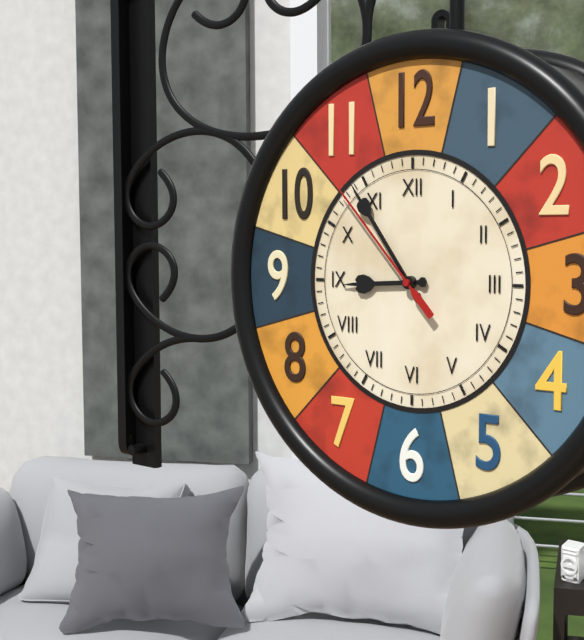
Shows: h=8 m=54 s=53
